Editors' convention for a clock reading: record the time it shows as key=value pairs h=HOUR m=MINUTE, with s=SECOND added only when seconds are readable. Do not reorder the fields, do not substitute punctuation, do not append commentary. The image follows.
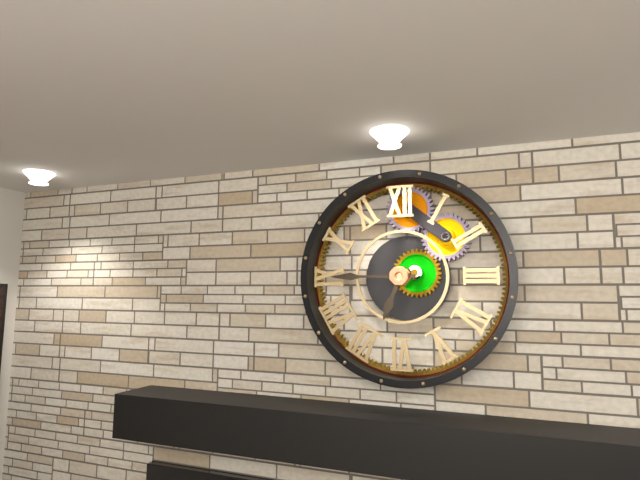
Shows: h=6 m=45
